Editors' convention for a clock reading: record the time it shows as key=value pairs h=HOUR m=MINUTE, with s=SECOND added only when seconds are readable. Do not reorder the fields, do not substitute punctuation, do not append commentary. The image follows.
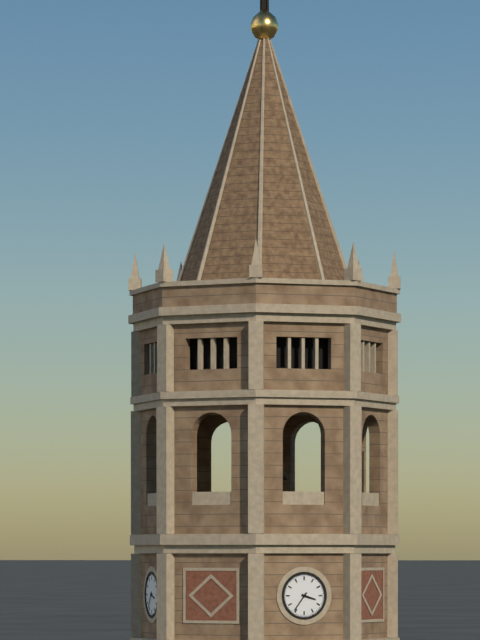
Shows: h=3 m=36
